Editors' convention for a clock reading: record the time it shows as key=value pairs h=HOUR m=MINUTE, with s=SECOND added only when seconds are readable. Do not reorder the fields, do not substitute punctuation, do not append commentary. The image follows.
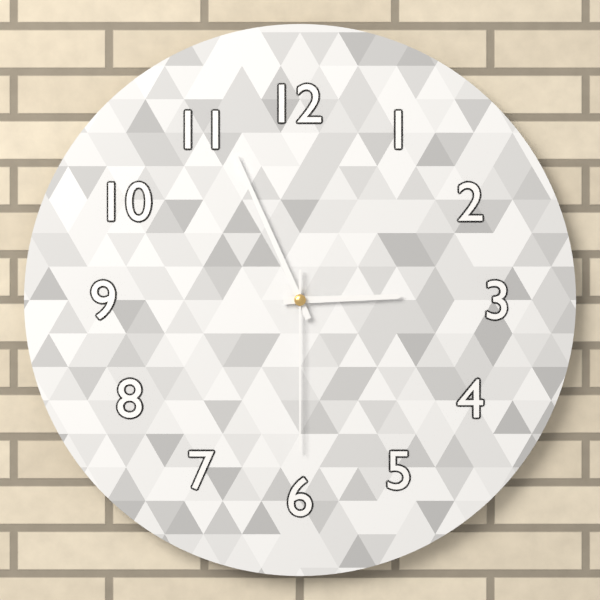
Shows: h=2 m=56 s=30
